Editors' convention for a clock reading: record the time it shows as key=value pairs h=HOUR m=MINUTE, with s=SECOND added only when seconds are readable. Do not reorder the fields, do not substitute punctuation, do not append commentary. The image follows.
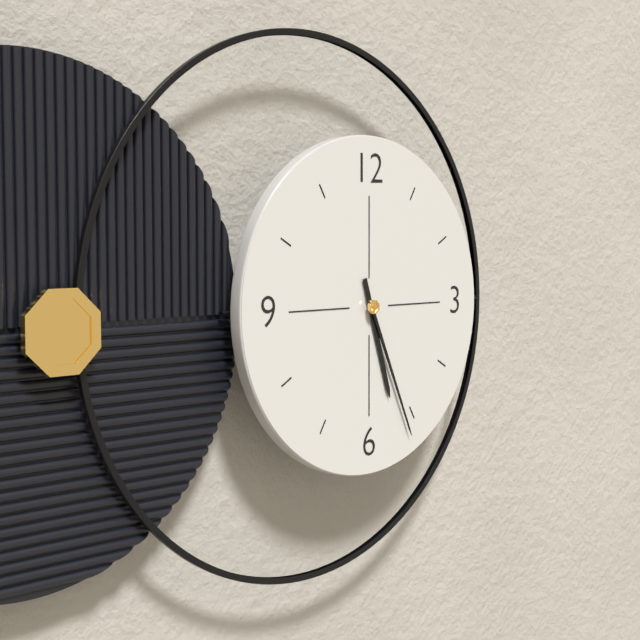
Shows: h=5 m=26
